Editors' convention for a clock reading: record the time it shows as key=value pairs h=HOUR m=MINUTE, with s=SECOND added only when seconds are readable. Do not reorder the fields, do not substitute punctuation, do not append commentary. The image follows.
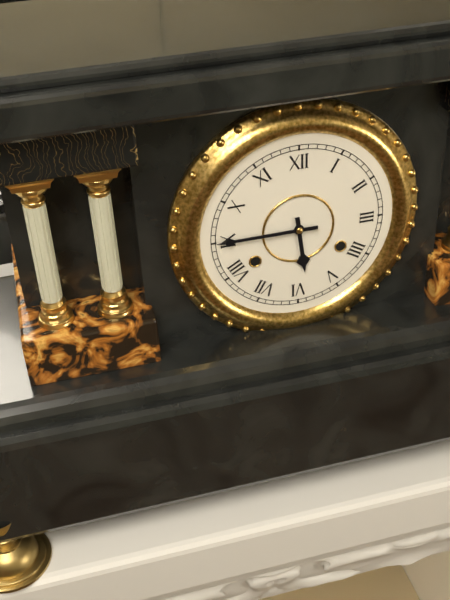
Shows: h=5 m=45
